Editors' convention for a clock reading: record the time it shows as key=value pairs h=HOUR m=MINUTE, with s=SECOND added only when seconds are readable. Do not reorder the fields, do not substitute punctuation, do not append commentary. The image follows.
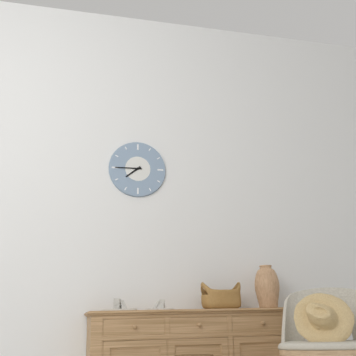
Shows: h=7 m=45
